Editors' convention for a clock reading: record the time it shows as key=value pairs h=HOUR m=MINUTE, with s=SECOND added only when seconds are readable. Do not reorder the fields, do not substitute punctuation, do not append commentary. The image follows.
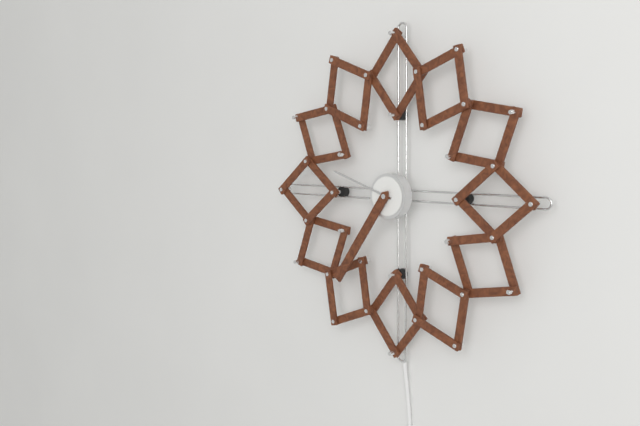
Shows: h=9 m=36
